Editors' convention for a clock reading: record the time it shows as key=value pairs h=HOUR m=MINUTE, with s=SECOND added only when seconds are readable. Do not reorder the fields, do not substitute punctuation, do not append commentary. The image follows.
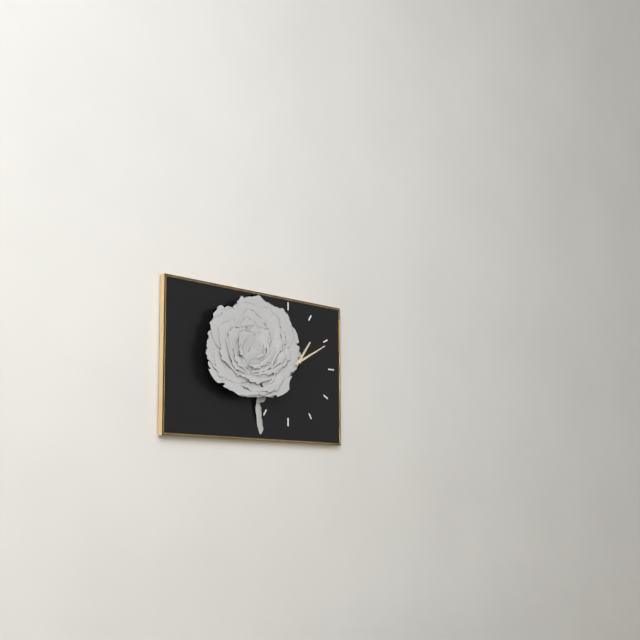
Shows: h=1 m=10
